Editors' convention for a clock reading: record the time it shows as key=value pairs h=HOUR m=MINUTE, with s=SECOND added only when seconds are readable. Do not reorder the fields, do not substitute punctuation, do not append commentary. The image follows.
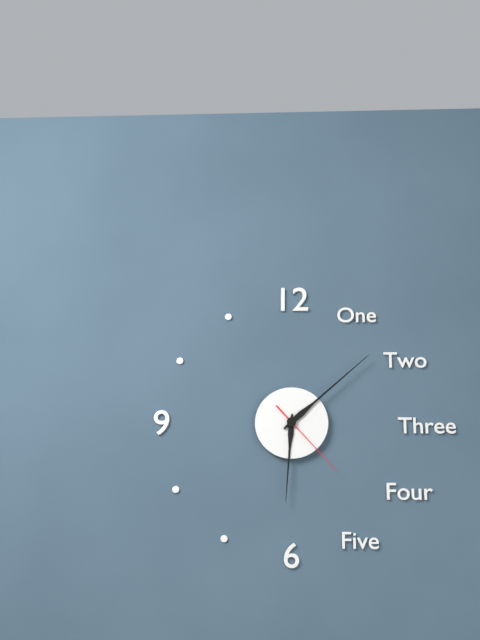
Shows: h=6 m=8 s=23
